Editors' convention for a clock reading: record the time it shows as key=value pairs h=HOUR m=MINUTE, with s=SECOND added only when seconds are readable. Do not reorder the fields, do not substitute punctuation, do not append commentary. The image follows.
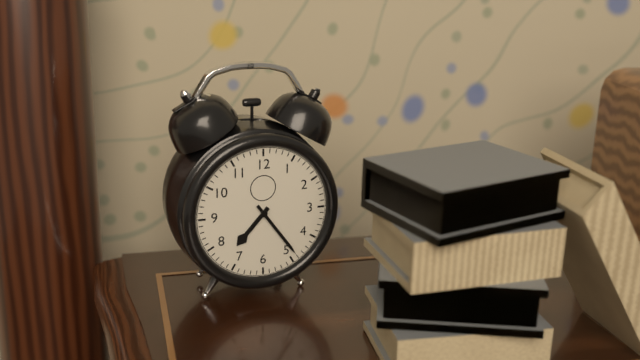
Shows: h=7 m=24
